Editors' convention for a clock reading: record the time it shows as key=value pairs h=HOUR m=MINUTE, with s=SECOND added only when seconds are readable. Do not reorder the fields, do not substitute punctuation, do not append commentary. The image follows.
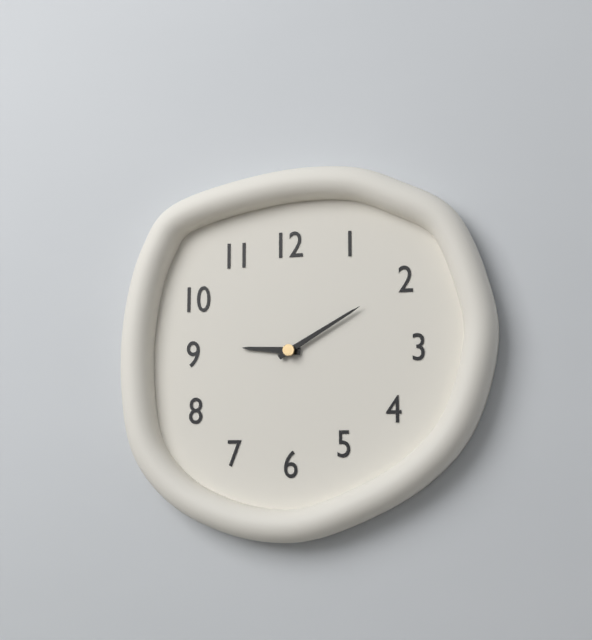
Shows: h=9 m=10
